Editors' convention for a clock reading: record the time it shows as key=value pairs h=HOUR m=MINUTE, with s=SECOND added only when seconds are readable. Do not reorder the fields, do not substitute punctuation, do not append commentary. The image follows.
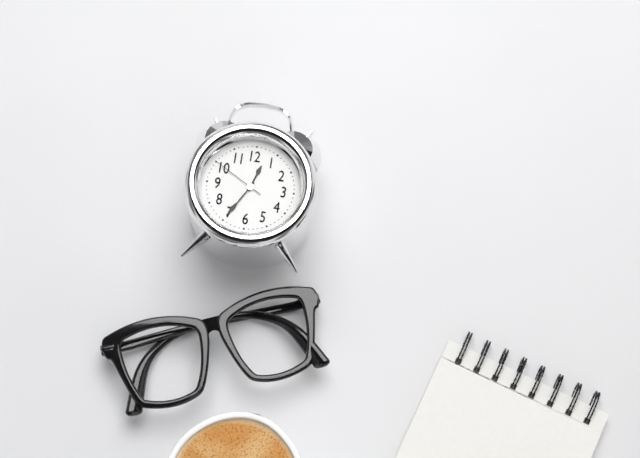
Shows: h=12 m=35 s=50
